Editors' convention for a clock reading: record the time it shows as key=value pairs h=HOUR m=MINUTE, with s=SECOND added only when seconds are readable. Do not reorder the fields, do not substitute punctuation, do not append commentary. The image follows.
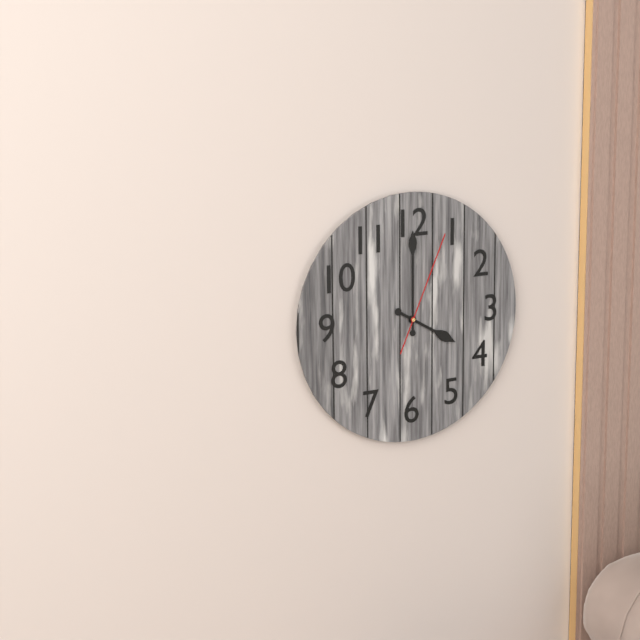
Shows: h=4 m=0 s=4
